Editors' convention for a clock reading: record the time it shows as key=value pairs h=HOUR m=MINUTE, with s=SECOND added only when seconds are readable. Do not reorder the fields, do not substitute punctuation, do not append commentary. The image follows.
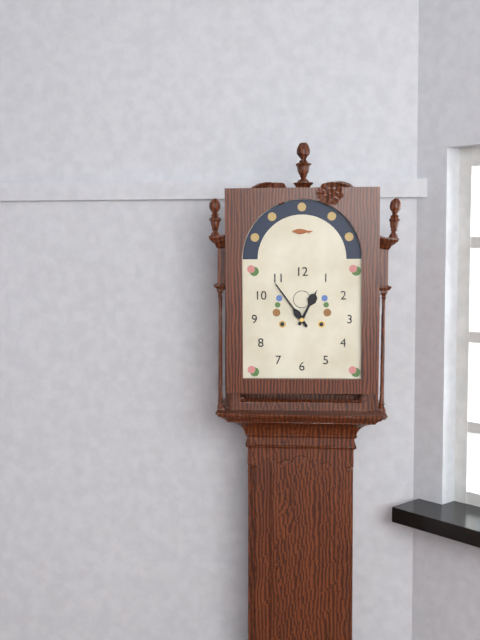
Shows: h=12 m=54
